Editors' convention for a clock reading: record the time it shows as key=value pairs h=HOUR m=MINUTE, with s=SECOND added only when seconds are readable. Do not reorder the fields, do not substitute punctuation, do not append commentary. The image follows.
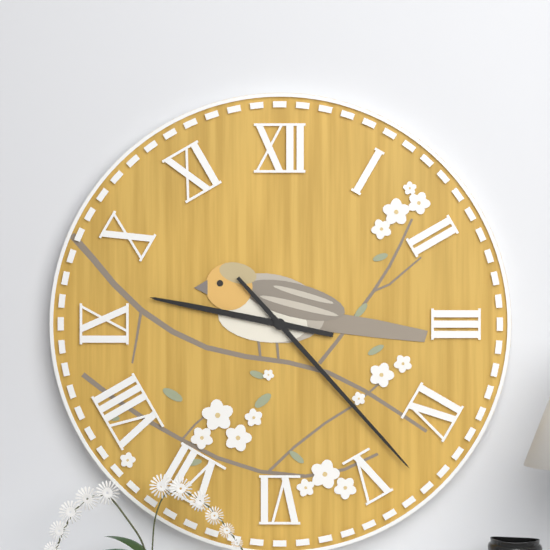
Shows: h=9 m=23
